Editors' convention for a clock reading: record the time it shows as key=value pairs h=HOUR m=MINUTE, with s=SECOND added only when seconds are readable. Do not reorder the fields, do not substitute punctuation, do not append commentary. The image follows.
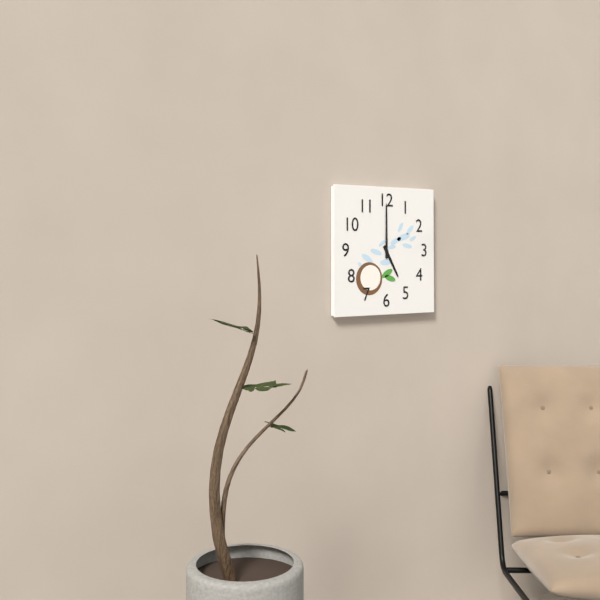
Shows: h=5 m=0
